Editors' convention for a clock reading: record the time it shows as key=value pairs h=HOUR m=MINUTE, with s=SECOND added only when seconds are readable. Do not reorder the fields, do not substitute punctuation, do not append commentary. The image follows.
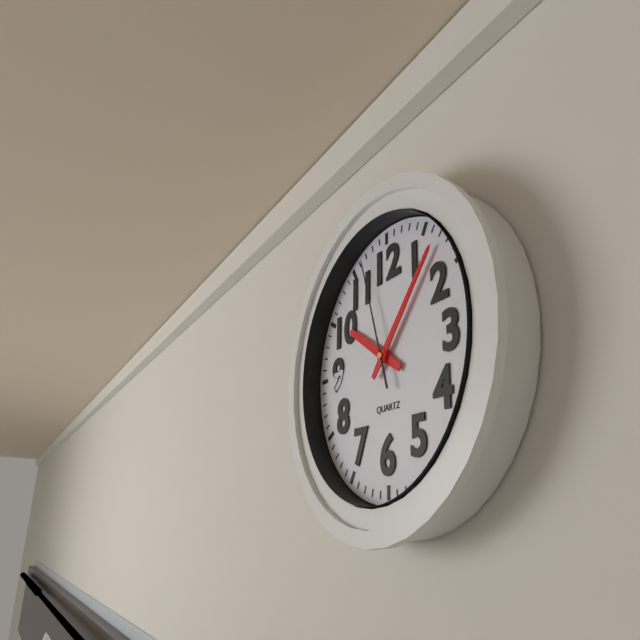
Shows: h=10 m=7 s=57
